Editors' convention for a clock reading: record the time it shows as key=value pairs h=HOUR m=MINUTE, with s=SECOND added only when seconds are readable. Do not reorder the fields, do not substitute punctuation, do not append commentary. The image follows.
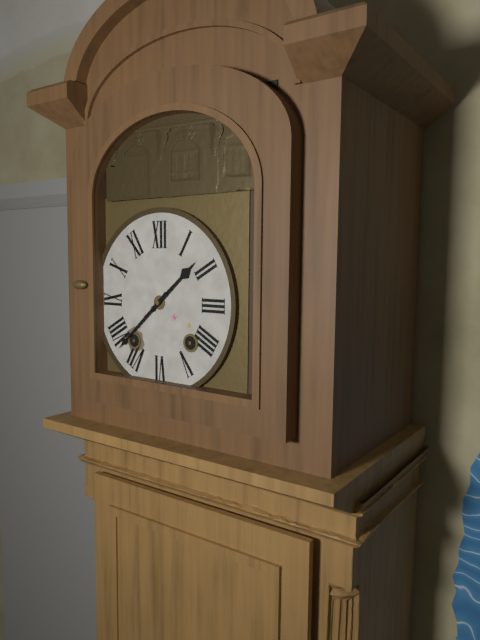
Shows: h=1 m=38
